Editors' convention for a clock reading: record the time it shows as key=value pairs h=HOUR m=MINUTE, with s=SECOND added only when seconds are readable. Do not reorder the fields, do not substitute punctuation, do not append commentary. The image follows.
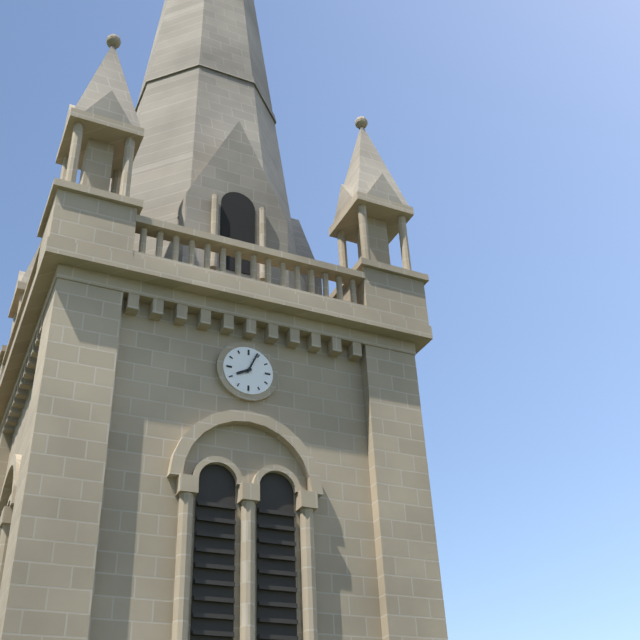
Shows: h=8 m=4
